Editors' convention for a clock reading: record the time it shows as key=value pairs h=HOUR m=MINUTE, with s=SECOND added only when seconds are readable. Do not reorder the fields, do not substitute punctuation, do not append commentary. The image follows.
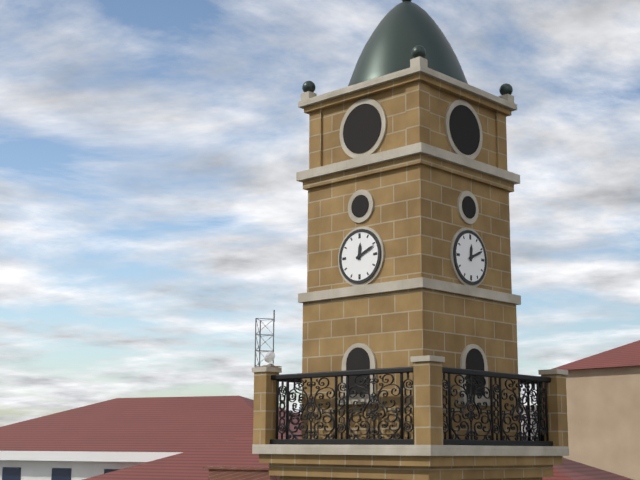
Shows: h=12 m=11
